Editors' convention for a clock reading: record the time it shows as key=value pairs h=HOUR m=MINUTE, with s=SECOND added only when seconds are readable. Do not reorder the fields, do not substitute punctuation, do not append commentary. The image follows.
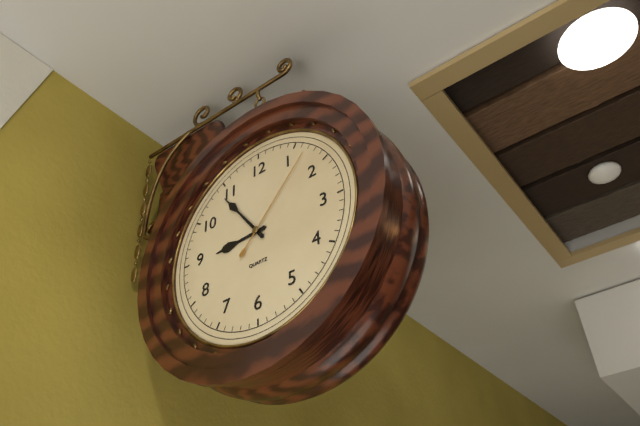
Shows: h=8 m=54 s=7
